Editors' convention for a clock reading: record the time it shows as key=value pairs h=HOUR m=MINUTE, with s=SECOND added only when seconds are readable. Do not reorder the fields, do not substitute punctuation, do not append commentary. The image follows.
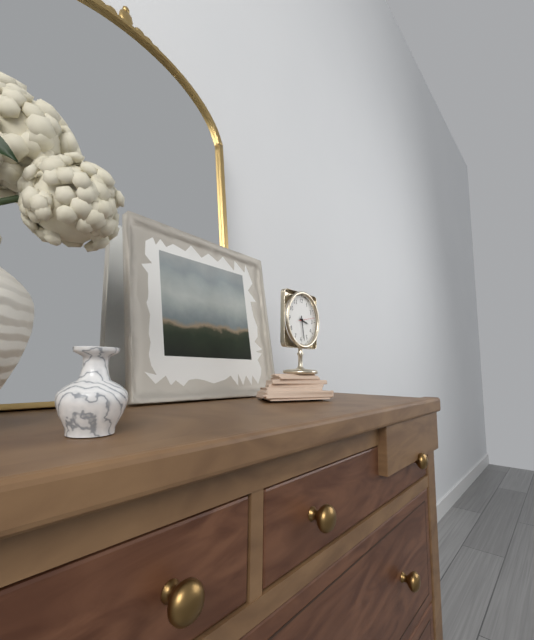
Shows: h=3 m=28
